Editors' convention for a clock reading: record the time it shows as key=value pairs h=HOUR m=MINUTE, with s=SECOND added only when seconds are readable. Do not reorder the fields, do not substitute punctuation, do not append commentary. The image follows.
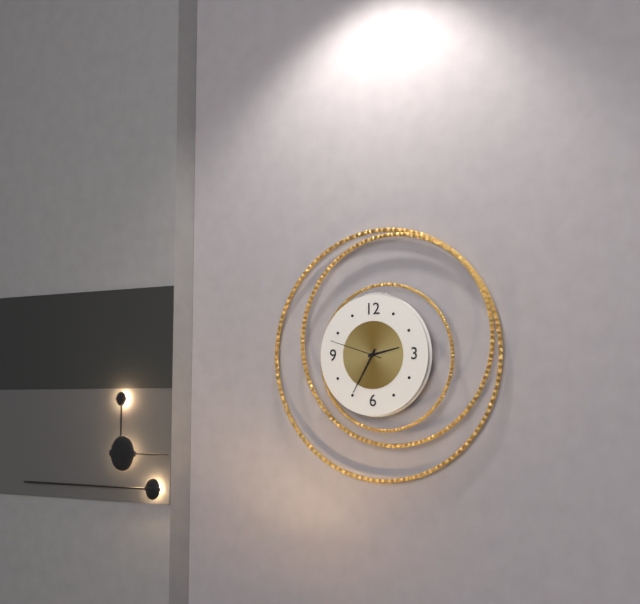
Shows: h=2 m=35 s=48
